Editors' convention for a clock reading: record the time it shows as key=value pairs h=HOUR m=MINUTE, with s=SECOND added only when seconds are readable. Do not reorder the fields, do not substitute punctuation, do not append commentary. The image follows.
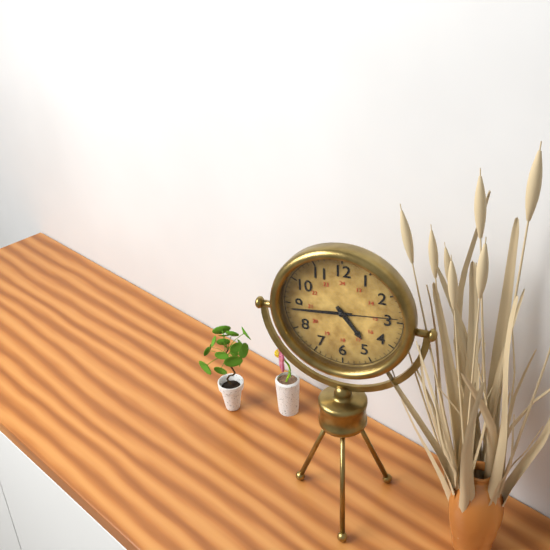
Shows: h=4 m=44 s=14
